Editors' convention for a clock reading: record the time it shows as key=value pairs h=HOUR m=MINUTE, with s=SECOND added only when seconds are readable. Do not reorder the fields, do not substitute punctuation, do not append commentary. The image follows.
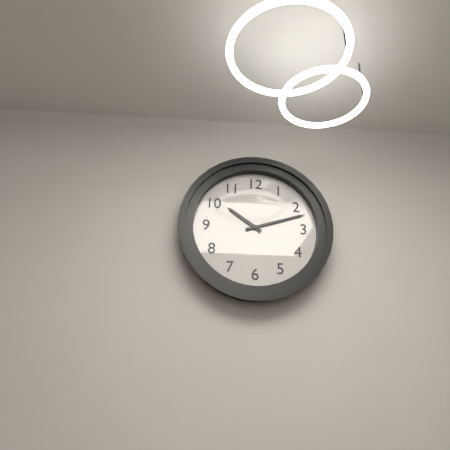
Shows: h=10 m=12
